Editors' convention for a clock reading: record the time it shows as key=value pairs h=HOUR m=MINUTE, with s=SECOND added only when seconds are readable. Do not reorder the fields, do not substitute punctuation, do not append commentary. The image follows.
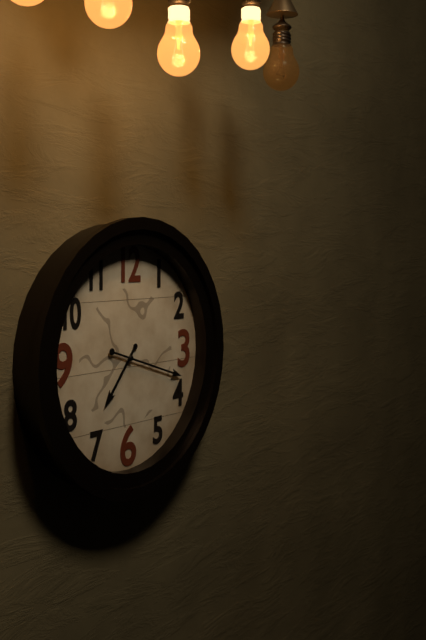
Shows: h=7 m=18
